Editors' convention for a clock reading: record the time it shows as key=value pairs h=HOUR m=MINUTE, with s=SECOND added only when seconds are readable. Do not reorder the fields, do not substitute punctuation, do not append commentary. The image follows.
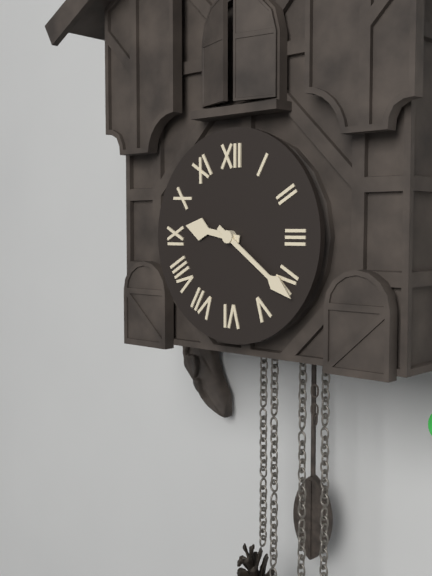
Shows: h=9 m=21
